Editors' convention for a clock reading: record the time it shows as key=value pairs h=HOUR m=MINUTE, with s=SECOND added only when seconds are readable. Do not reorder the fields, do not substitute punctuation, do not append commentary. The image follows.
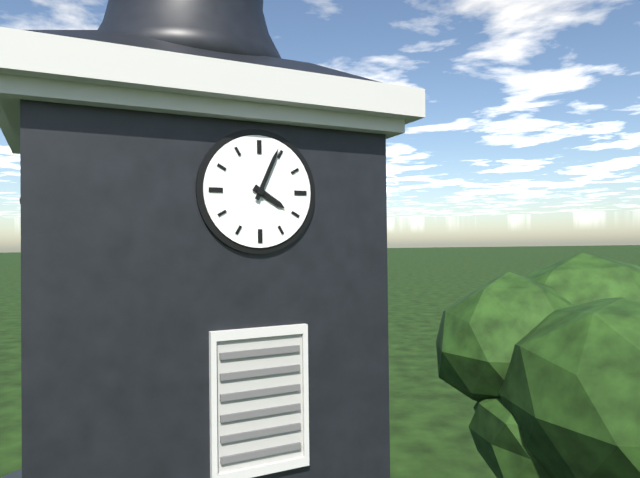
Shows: h=4 m=4
